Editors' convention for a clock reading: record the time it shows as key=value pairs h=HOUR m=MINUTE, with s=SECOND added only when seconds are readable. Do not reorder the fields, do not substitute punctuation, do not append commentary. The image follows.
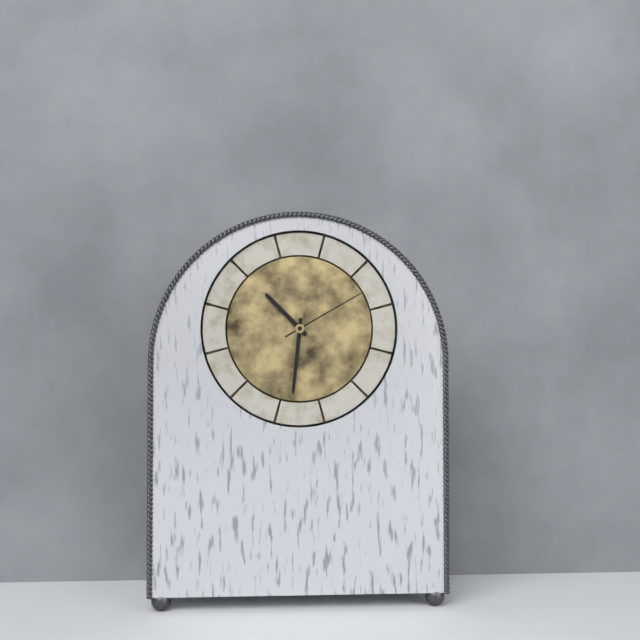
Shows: h=10 m=31 s=10
